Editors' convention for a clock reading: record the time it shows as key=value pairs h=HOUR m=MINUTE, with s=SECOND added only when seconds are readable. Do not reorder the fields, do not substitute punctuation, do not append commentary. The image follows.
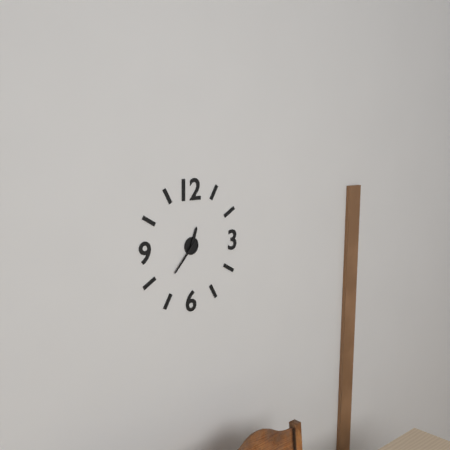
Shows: h=12 m=37
